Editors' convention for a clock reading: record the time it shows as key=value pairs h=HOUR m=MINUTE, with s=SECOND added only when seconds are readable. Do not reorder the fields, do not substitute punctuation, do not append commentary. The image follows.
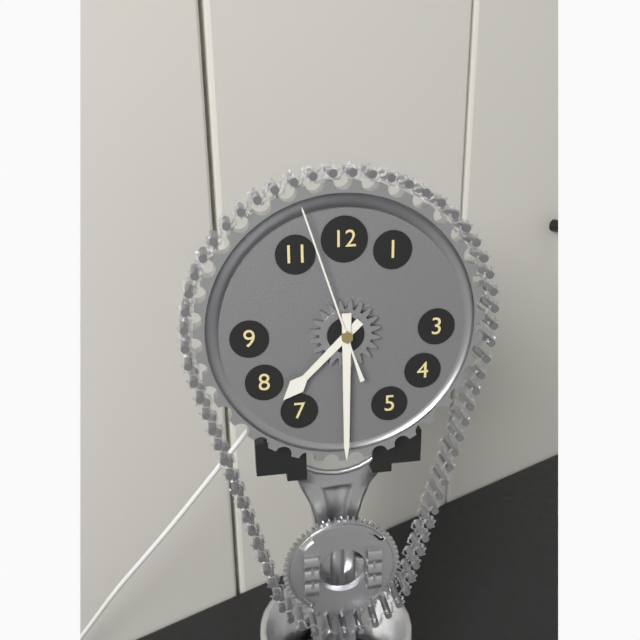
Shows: h=7 m=30 s=57
